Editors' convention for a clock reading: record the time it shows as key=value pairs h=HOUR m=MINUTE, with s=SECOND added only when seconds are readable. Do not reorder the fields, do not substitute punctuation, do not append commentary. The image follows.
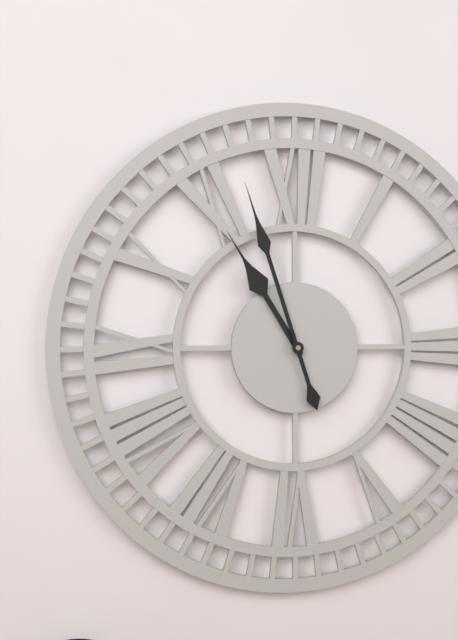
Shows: h=10 m=57
